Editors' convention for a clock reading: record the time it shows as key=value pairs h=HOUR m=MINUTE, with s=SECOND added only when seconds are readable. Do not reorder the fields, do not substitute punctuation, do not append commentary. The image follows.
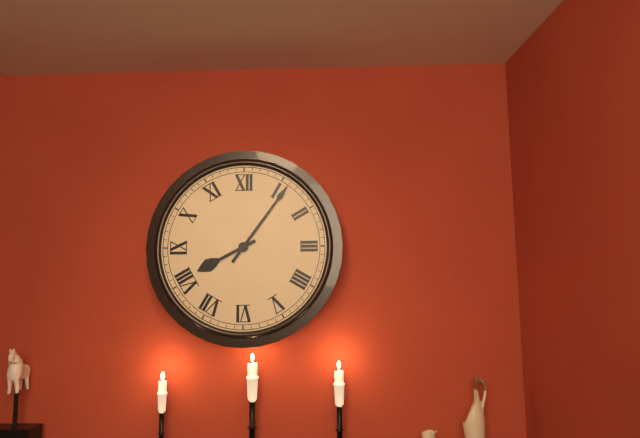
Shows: h=8 m=6
